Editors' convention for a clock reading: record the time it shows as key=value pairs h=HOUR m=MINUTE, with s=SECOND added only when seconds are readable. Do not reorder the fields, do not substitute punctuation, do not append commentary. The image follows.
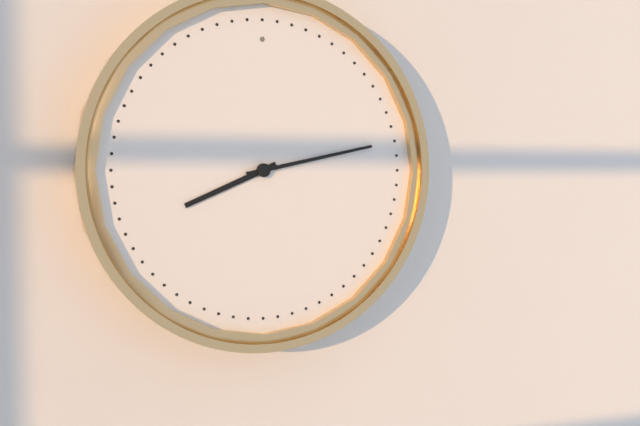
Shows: h=8 m=13
